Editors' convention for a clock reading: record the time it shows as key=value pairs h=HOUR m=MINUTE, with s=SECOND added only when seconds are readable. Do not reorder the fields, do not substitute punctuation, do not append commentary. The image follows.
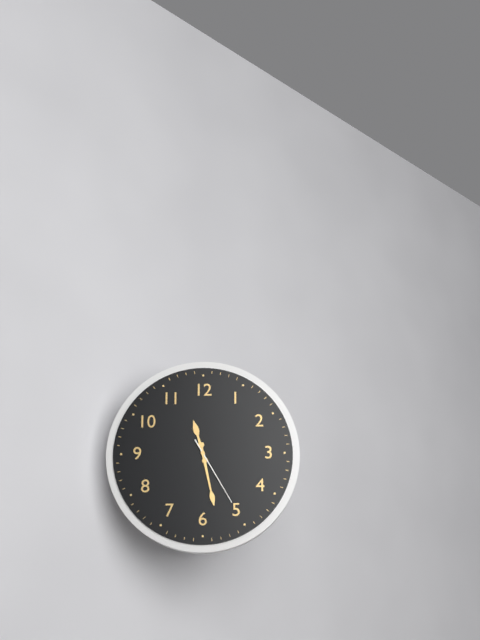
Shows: h=11 m=28 s=25
